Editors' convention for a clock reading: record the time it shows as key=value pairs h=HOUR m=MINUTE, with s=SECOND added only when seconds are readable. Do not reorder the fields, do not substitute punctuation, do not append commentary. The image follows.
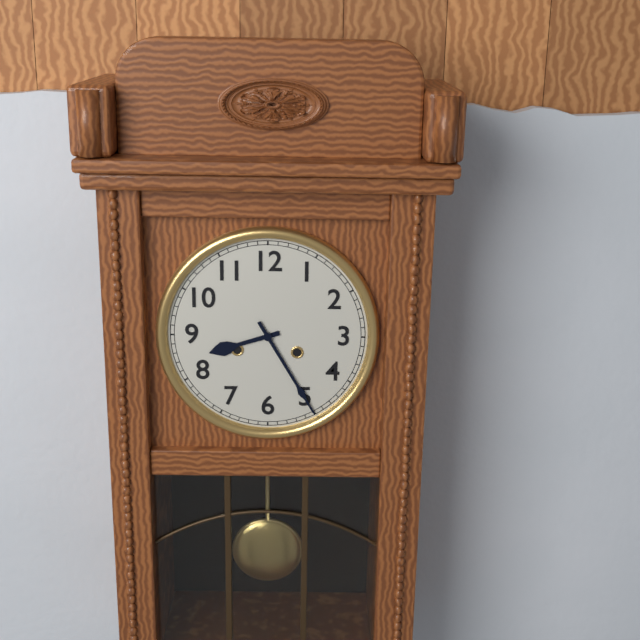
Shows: h=8 m=25
